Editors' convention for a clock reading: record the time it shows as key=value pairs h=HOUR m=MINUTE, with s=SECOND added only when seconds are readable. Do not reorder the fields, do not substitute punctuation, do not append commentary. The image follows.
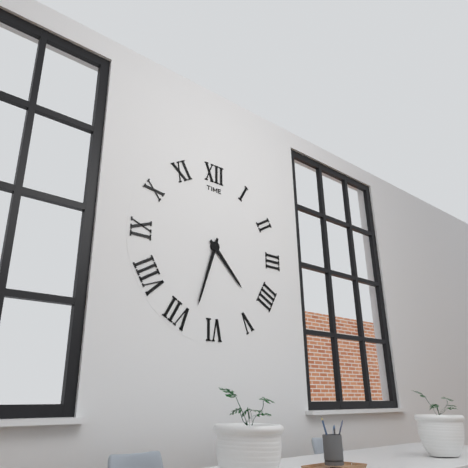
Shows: h=4 m=33
